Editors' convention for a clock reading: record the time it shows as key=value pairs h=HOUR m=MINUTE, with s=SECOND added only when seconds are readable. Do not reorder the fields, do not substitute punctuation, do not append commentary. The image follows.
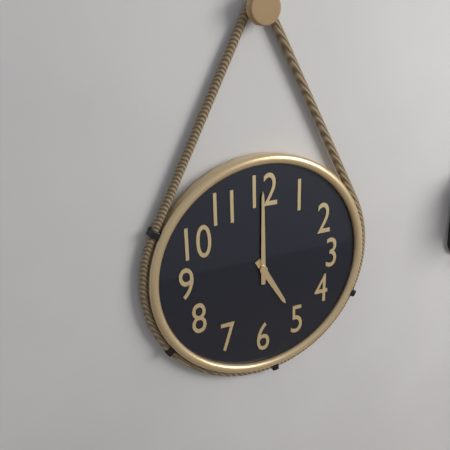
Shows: h=5 m=0
